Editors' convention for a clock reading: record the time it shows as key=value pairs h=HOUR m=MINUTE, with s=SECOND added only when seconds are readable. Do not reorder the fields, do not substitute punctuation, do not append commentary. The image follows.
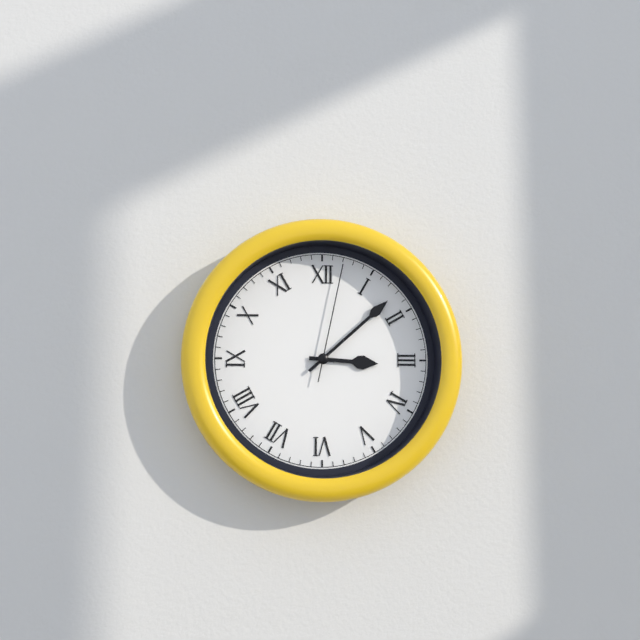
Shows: h=3 m=8 s=2
